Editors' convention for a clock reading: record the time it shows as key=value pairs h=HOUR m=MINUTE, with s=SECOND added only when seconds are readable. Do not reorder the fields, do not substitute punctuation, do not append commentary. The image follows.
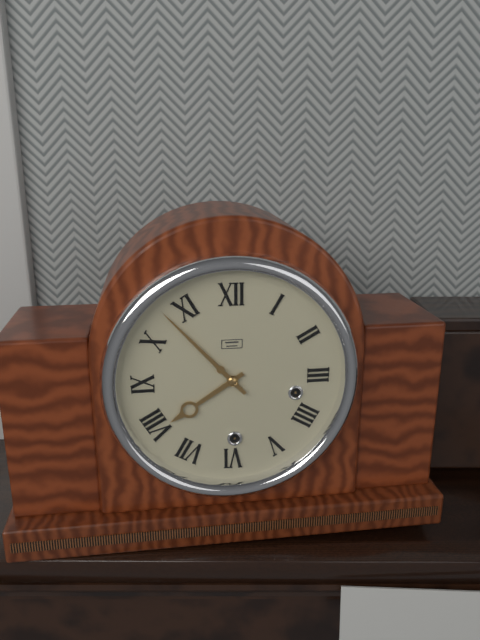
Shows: h=7 m=53
